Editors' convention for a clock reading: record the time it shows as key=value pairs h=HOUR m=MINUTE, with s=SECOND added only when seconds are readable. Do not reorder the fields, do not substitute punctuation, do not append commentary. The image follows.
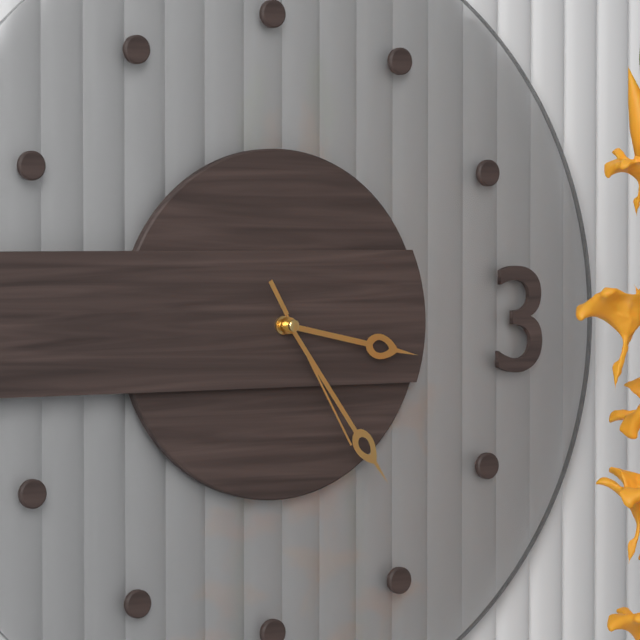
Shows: h=3 m=24 s=25
